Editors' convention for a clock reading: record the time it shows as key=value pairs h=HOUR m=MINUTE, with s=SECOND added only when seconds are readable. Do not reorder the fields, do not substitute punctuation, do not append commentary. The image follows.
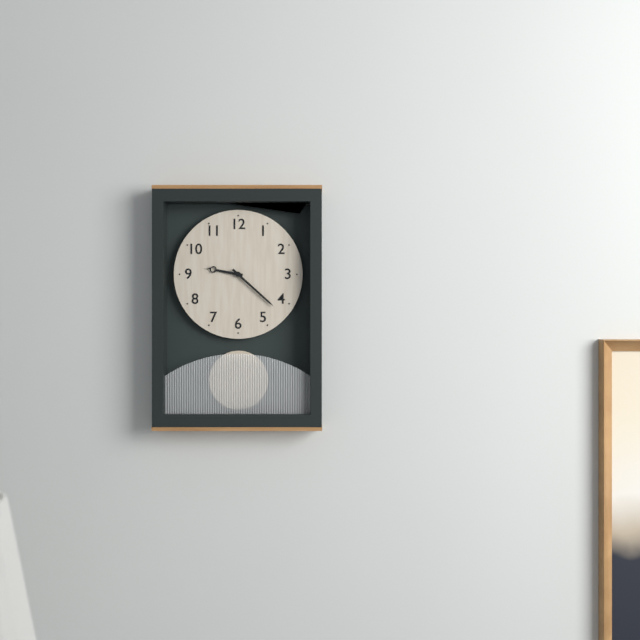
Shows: h=9 m=22
